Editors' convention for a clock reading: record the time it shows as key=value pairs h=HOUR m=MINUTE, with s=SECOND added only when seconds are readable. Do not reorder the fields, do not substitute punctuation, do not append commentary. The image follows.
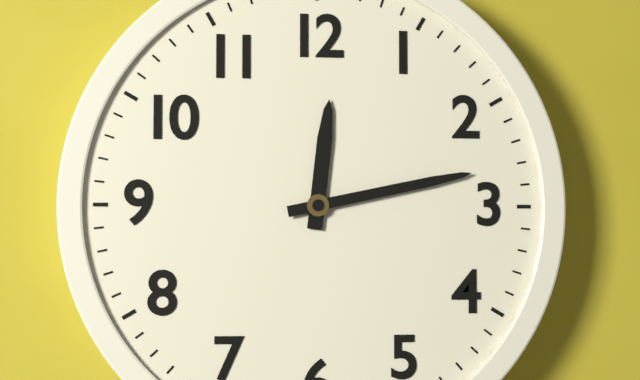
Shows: h=12 m=13
